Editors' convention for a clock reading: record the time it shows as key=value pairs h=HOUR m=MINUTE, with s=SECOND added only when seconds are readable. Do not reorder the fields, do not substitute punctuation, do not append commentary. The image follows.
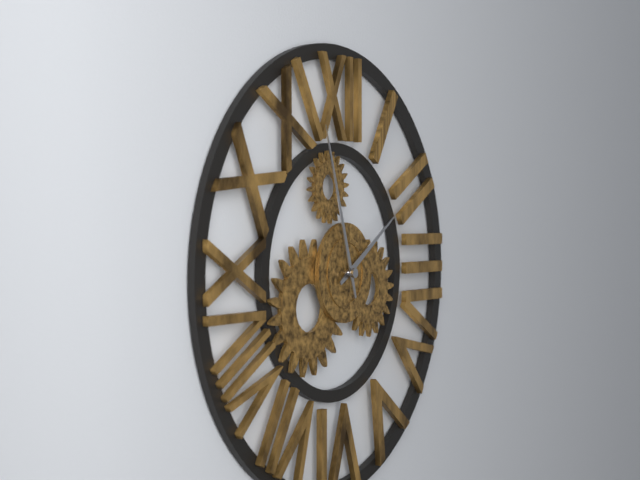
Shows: h=1 m=57
